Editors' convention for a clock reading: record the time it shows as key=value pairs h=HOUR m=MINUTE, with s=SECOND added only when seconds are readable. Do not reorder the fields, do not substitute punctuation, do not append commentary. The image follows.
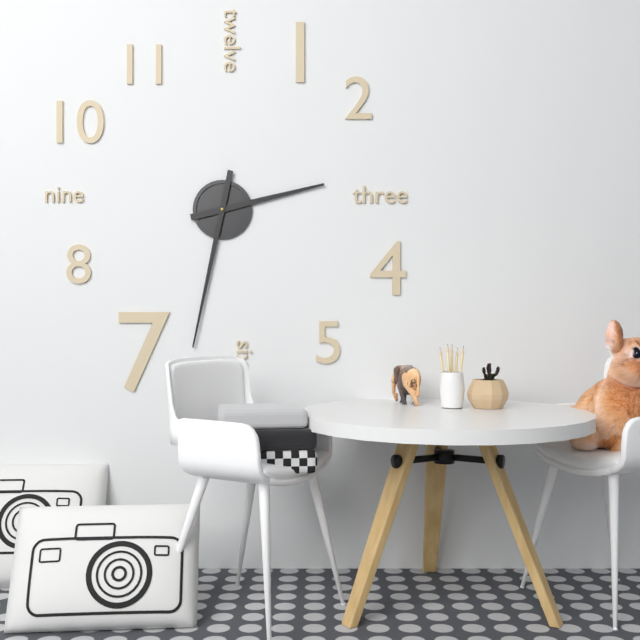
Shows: h=2 m=32
